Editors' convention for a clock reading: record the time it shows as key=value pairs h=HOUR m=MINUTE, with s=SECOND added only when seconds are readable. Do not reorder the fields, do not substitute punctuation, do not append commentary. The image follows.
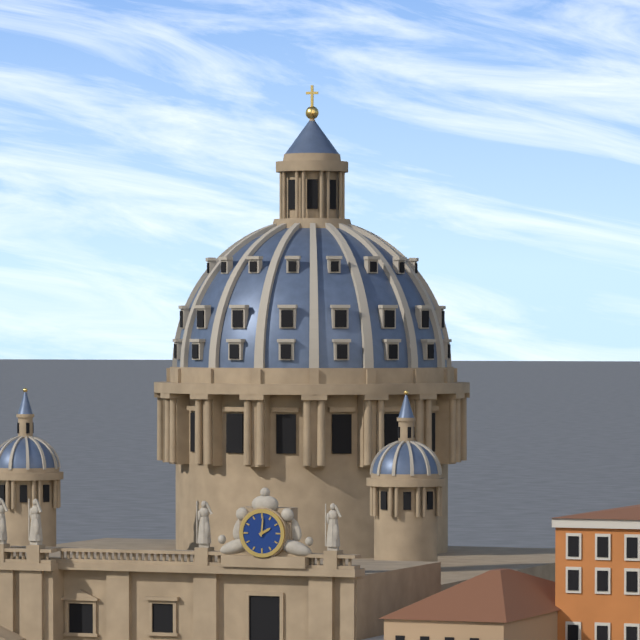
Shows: h=2 m=1
